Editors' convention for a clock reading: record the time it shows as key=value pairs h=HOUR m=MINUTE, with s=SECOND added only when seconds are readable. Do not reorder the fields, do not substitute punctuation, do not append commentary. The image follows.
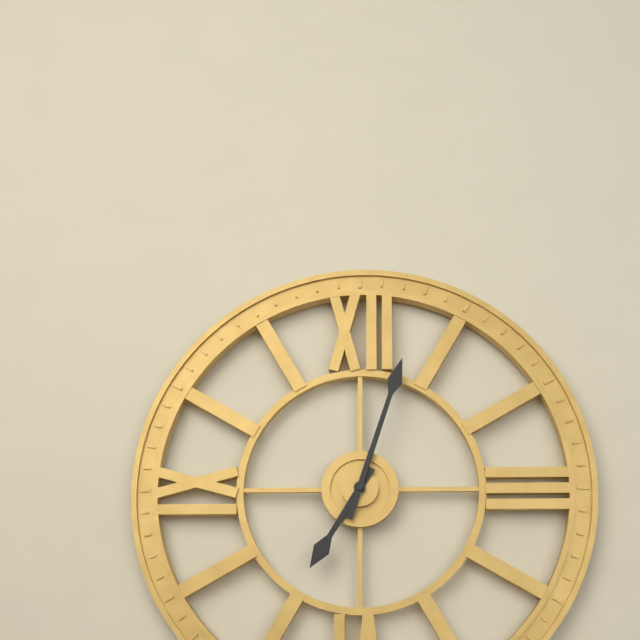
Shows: h=7 m=3
